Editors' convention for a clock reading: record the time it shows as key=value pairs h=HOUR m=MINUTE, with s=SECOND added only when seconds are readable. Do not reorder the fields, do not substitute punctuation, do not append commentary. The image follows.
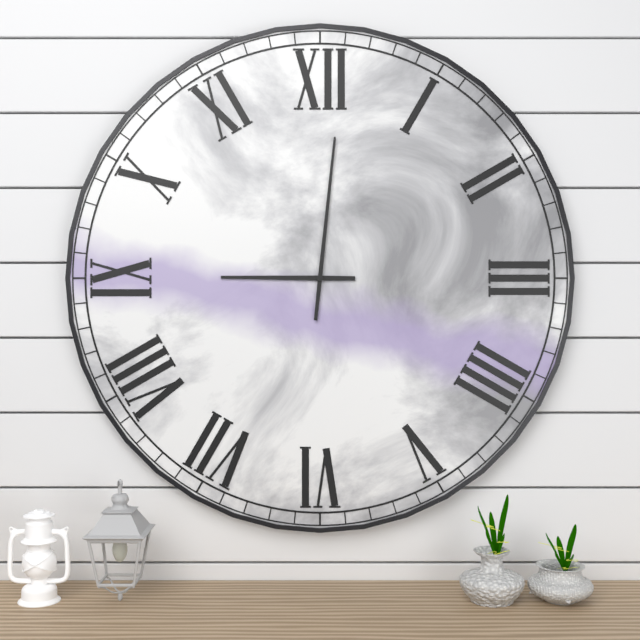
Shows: h=9 m=1
